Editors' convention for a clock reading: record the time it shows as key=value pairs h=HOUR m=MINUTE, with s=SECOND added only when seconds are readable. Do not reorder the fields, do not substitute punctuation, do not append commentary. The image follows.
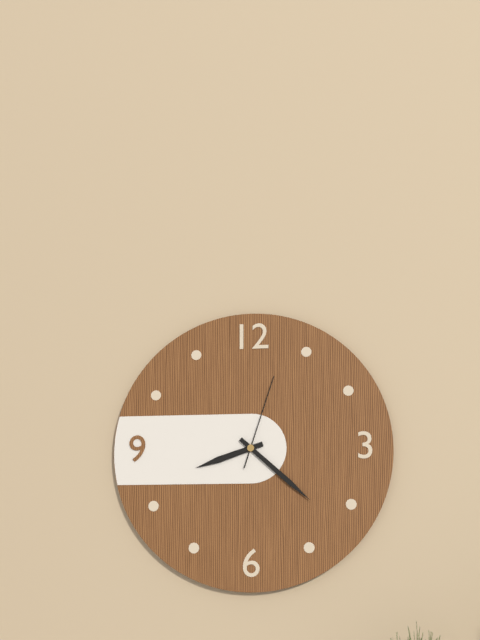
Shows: h=8 m=22 s=3
